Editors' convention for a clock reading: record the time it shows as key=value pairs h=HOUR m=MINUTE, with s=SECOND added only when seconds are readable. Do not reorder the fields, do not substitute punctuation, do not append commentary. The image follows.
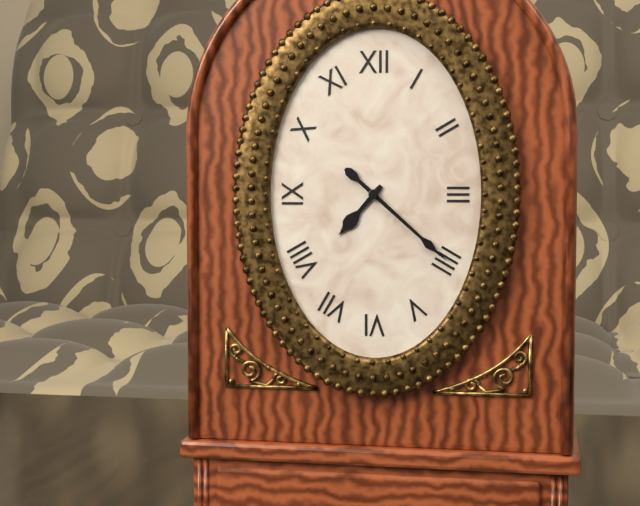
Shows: h=7 m=22
